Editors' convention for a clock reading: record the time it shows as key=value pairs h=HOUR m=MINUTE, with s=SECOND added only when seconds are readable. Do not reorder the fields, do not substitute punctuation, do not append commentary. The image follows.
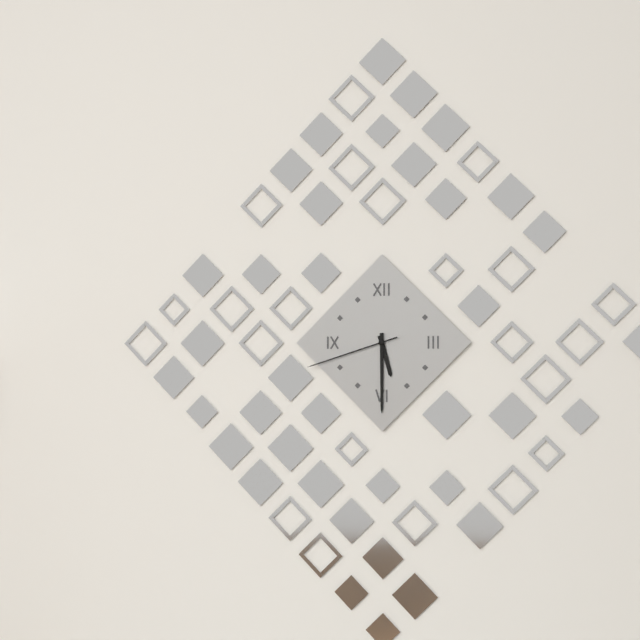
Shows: h=5 m=30 s=42
